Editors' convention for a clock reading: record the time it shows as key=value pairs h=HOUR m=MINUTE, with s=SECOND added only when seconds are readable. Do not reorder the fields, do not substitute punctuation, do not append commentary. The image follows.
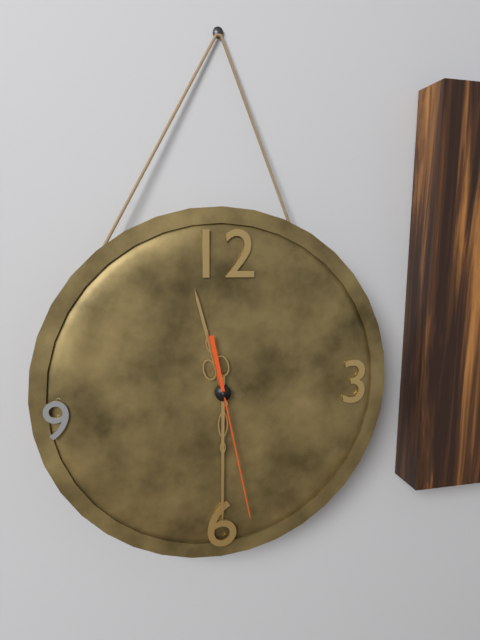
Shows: h=11 m=30 s=28
